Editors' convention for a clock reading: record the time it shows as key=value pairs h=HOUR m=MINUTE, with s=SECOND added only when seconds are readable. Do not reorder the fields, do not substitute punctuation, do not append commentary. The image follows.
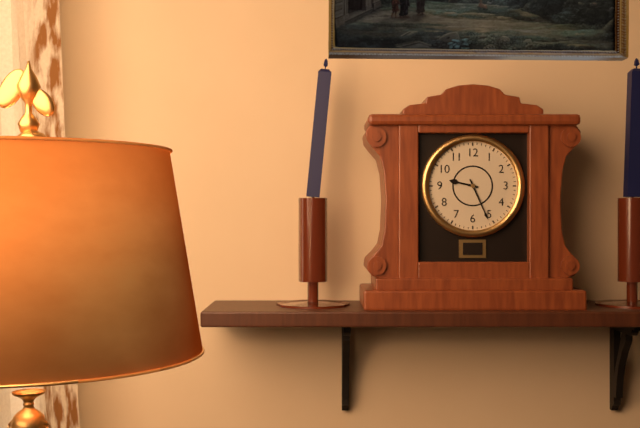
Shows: h=9 m=26
